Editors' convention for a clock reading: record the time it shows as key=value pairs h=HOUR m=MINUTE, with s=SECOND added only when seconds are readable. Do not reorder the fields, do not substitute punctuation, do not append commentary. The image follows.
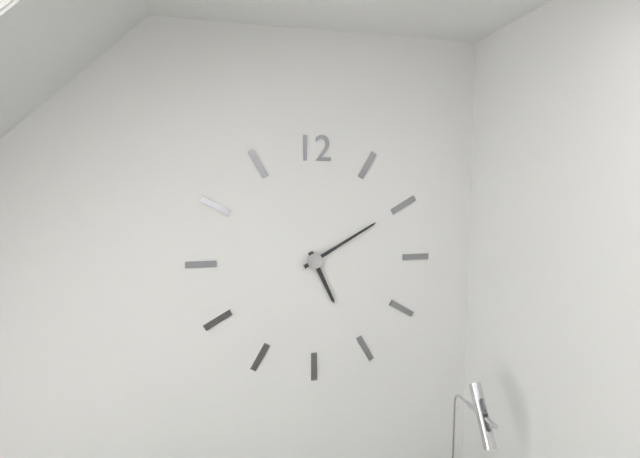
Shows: h=5 m=10
